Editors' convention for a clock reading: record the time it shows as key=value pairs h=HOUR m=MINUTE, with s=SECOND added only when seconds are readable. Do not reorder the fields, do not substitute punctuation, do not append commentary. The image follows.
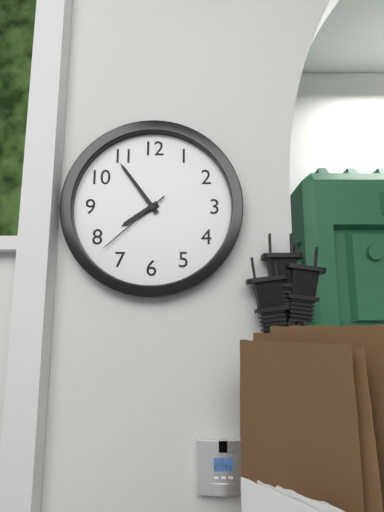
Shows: h=7 m=54 s=38
